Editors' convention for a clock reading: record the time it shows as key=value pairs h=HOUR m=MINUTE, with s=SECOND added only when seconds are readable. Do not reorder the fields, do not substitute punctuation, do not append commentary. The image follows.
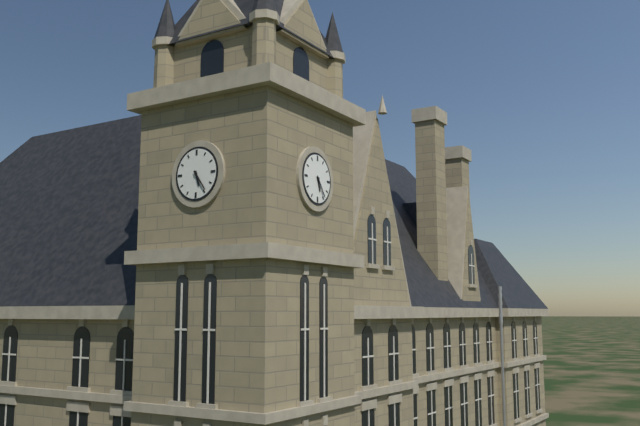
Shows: h=5 m=24
